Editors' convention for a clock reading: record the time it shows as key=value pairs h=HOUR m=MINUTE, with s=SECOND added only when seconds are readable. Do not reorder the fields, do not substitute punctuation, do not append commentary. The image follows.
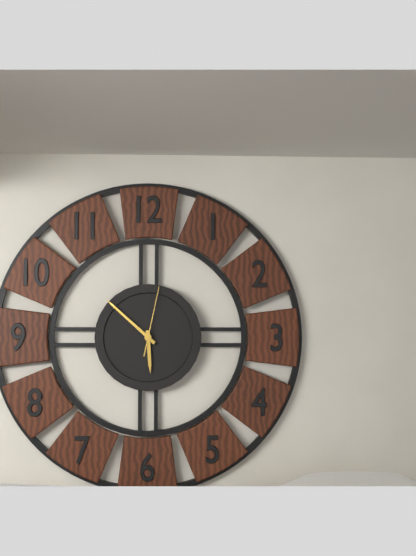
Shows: h=5 m=52 s=2
